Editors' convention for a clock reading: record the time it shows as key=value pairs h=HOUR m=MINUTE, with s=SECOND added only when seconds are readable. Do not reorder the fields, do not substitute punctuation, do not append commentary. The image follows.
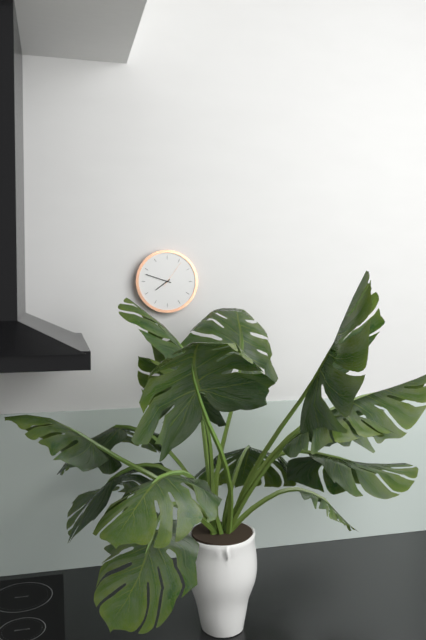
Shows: h=7 m=48
